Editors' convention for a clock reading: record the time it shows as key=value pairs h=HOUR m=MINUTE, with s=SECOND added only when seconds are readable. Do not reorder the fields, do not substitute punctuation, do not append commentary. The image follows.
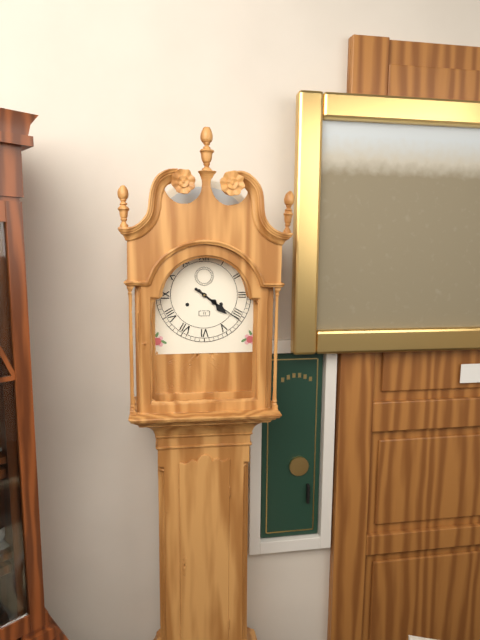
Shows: h=4 m=21
